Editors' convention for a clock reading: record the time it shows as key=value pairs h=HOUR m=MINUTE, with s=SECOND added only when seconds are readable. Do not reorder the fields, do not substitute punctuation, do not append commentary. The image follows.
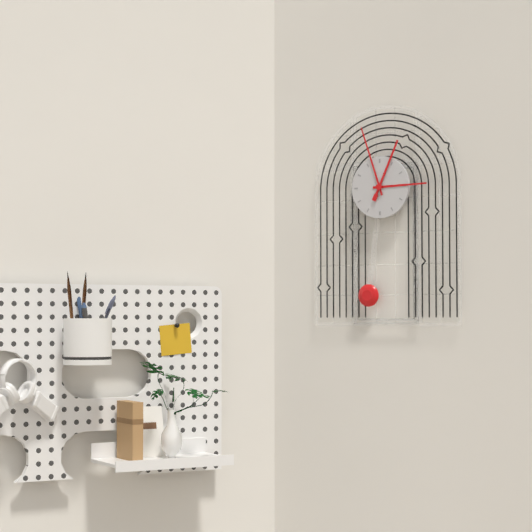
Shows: h=2 m=57 s=4
